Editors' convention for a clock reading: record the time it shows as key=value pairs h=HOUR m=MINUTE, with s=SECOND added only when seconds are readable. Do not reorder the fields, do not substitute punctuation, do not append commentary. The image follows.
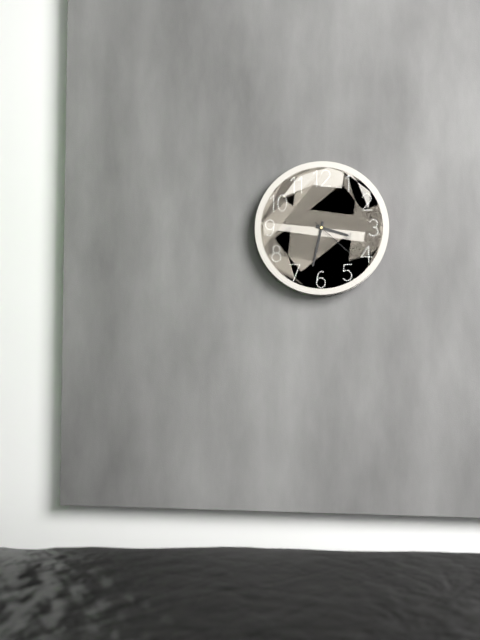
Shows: h=3 m=32 s=22
